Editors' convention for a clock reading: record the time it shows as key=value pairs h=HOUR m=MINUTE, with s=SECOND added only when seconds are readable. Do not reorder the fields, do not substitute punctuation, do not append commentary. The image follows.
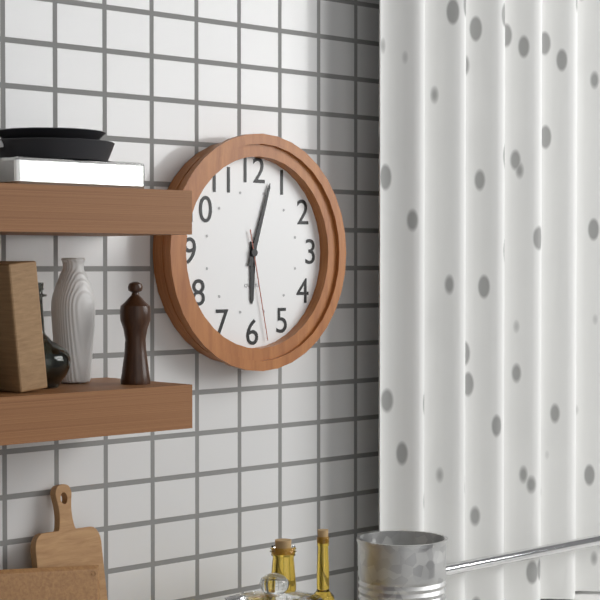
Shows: h=6 m=3 s=28
